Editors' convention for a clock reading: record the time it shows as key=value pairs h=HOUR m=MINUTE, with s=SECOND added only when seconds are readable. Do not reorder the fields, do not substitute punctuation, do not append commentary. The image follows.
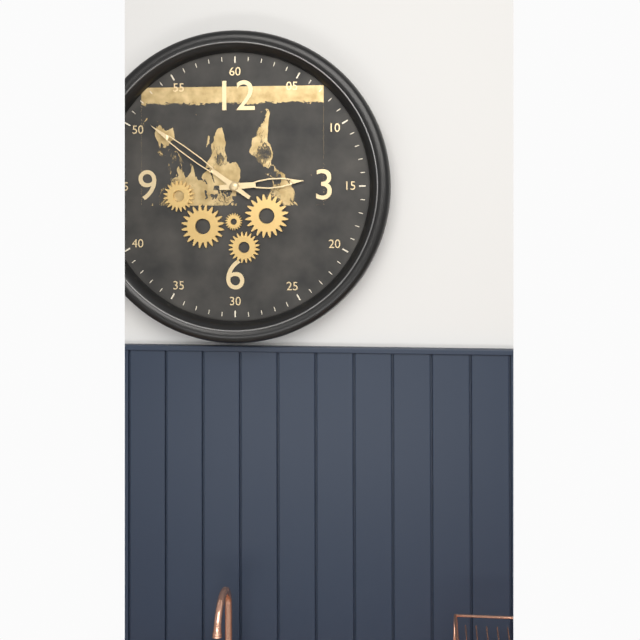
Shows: h=2 m=51
